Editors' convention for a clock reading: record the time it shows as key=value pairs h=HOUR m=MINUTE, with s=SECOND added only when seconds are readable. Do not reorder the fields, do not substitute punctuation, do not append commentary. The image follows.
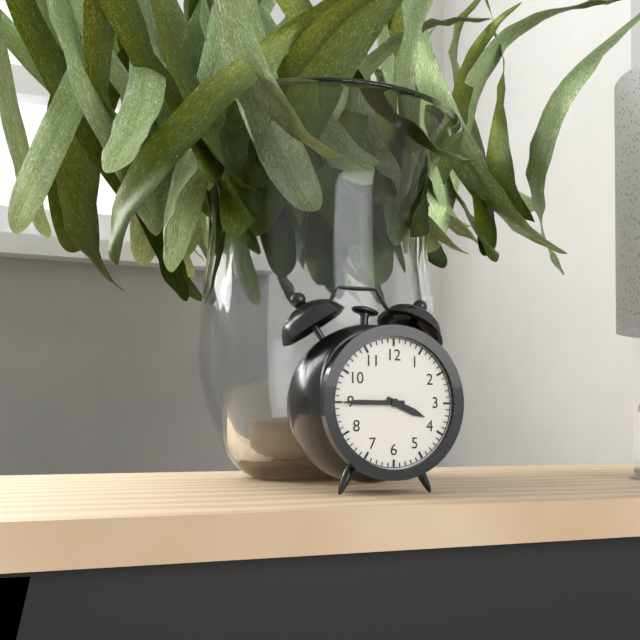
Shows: h=3 m=45
